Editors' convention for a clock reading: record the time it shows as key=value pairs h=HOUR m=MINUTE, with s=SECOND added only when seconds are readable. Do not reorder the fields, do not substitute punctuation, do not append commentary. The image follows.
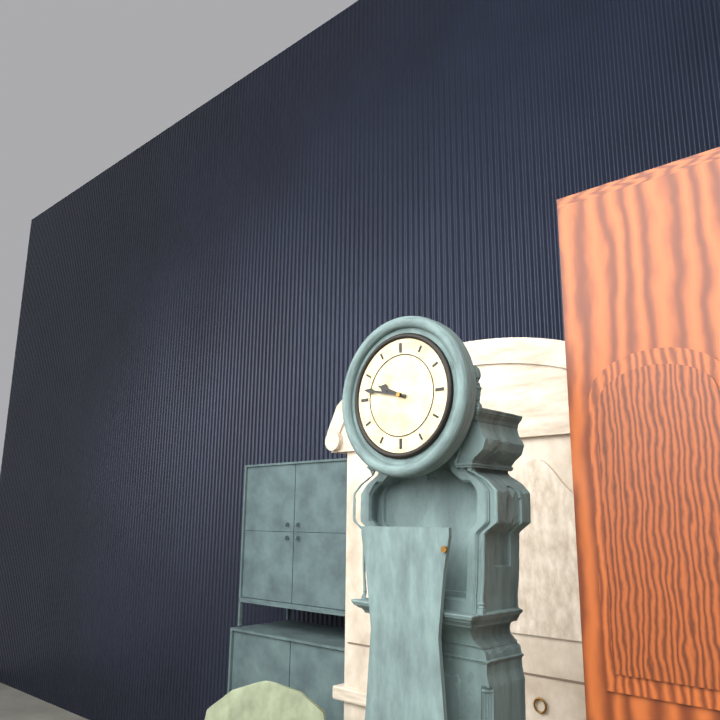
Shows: h=9 m=47
